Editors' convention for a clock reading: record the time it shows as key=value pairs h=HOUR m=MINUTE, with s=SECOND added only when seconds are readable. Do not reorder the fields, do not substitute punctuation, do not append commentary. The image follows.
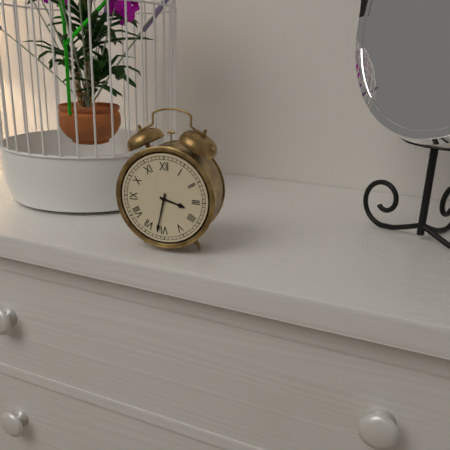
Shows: h=3 m=32
